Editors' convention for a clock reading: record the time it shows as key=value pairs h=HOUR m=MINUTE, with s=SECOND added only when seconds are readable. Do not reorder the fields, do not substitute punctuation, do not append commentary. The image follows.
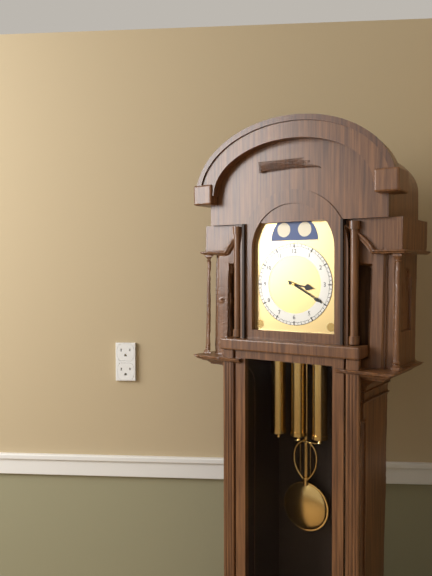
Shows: h=3 m=20
